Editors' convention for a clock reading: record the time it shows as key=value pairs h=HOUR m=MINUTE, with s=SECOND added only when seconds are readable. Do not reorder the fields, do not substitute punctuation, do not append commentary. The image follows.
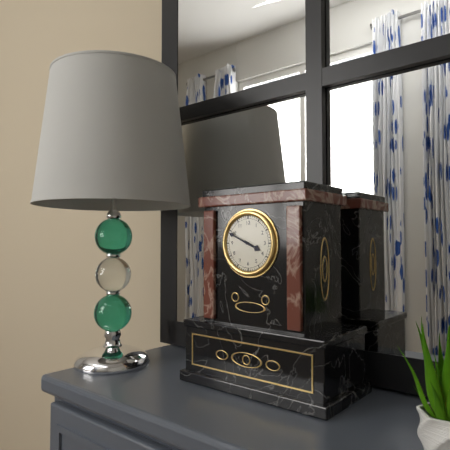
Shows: h=3 m=49
